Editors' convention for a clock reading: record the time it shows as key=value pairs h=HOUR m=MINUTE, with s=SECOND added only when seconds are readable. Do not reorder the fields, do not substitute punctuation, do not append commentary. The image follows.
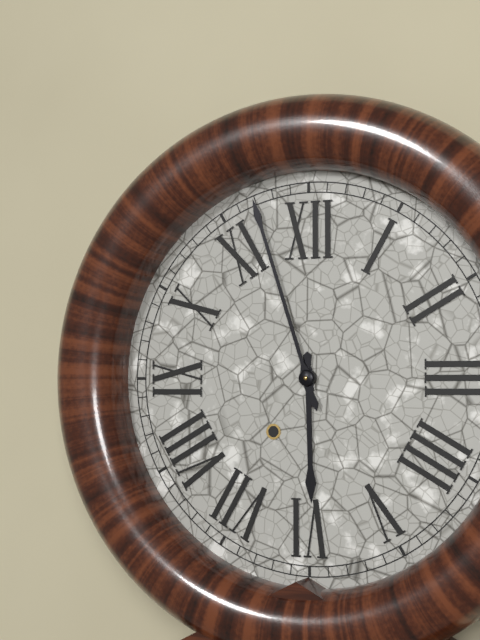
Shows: h=5 m=57
